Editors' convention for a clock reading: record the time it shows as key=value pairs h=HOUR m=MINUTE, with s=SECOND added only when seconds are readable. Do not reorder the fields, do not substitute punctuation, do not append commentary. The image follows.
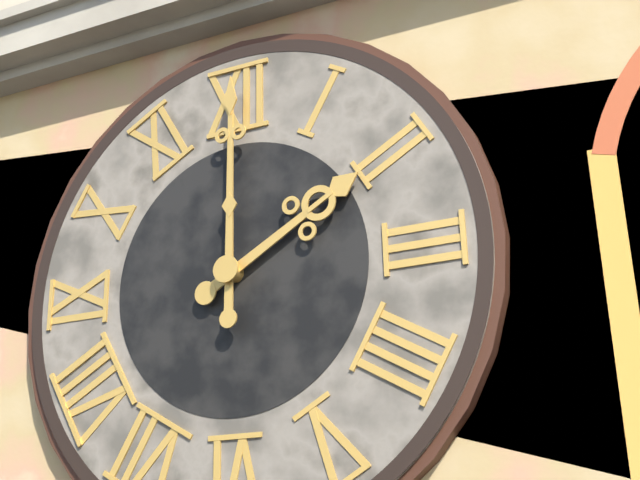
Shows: h=2 m=0
